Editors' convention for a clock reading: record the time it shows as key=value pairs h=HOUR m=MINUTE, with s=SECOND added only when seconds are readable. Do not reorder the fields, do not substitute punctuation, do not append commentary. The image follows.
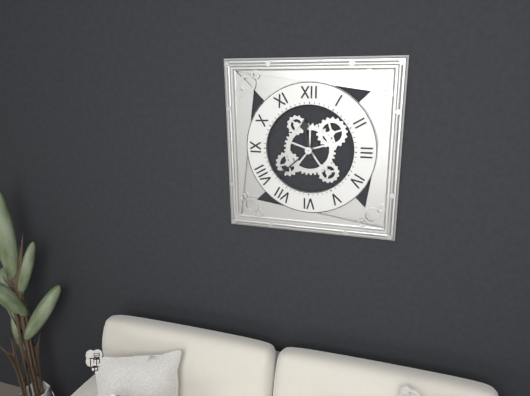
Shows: h=11 m=38
